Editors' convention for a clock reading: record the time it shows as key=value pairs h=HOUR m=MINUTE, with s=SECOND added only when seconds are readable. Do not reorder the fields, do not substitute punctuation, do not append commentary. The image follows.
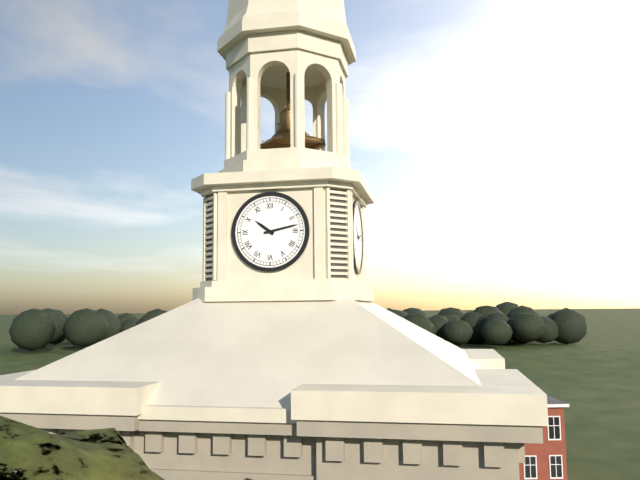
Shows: h=10 m=13
